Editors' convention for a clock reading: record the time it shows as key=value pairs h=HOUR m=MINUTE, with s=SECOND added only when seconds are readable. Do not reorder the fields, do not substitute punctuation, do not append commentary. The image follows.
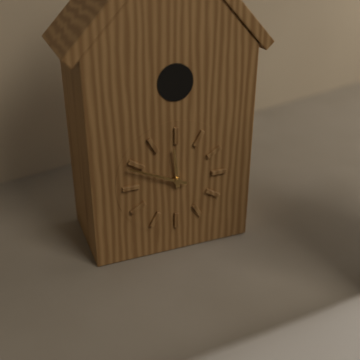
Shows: h=11 m=49
